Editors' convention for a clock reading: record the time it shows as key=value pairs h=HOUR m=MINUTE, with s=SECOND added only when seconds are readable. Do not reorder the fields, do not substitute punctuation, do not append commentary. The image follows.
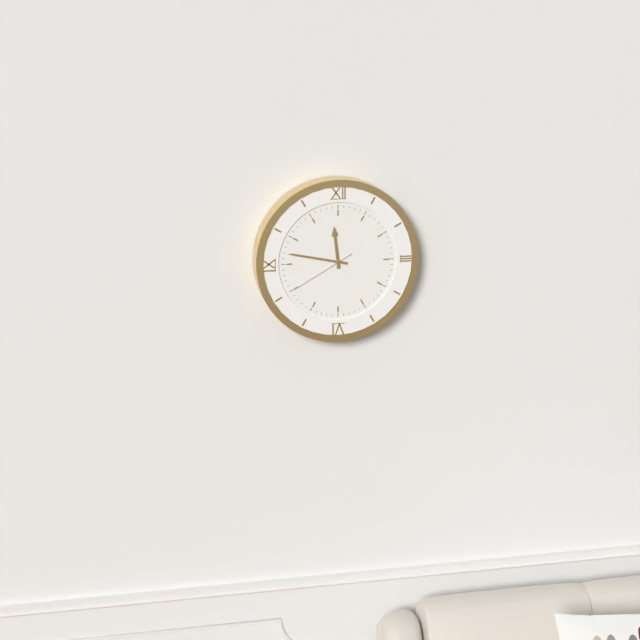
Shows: h=11 m=47 s=40
